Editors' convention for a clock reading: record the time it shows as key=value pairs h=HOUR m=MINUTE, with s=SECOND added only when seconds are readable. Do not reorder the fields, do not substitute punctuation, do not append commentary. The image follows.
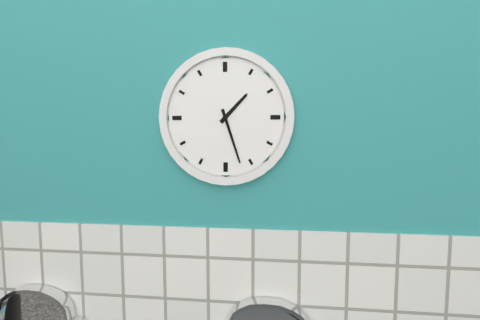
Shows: h=1 m=27
